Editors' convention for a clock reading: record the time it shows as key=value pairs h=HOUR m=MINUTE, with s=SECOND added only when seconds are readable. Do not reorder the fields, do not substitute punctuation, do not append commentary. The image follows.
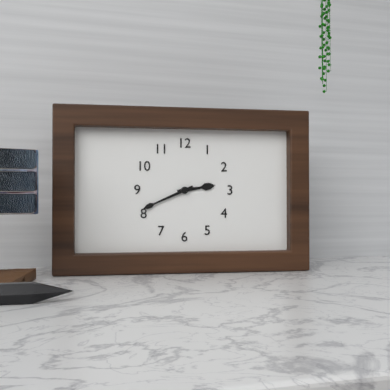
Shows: h=2 m=41
